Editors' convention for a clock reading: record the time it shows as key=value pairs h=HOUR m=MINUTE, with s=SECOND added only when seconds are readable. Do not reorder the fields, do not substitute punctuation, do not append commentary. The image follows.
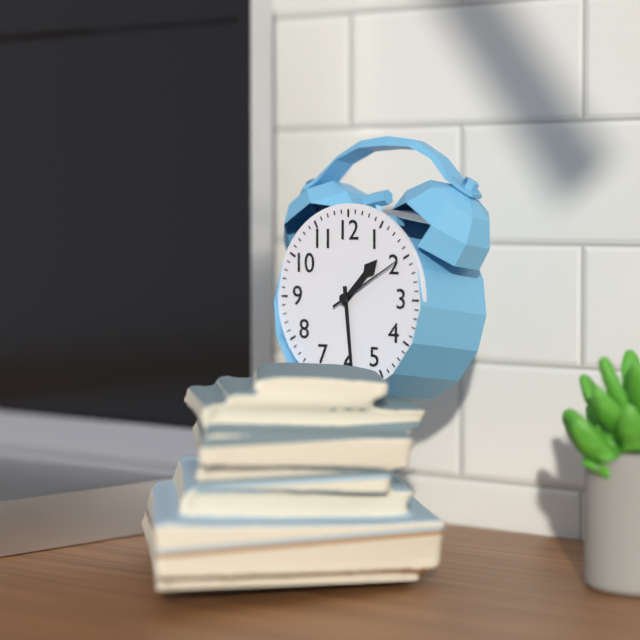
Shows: h=1 m=29 s=10
